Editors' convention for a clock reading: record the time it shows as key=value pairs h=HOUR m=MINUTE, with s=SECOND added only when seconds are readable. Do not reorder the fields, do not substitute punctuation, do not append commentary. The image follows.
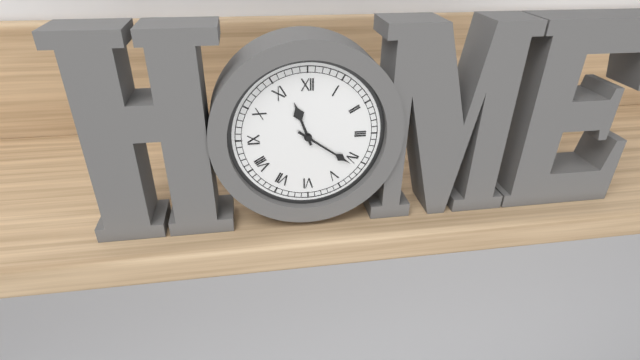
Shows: h=11 m=21
